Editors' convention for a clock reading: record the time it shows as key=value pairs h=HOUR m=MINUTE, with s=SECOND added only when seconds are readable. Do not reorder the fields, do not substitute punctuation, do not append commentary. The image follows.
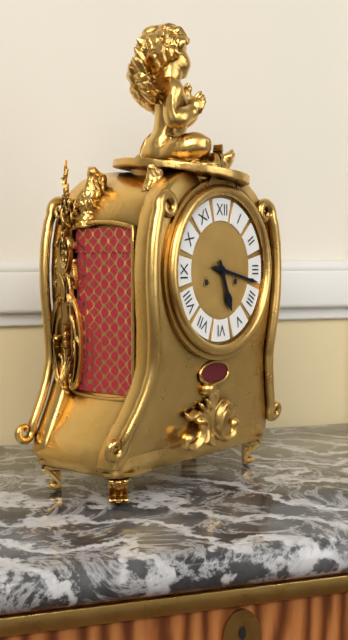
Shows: h=5 m=17
